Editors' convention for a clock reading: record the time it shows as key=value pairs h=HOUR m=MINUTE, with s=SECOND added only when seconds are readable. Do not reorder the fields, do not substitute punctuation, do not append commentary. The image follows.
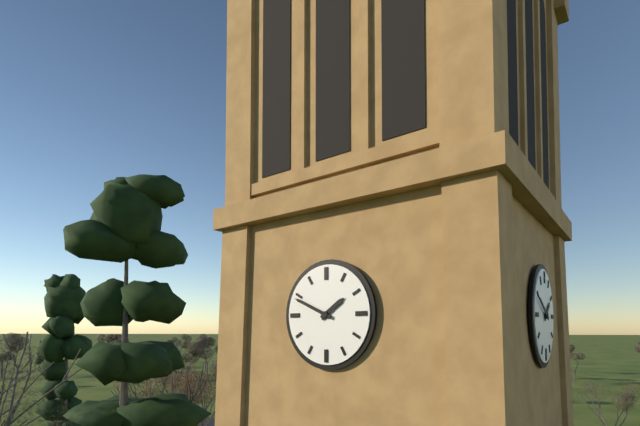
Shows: h=1 m=49
